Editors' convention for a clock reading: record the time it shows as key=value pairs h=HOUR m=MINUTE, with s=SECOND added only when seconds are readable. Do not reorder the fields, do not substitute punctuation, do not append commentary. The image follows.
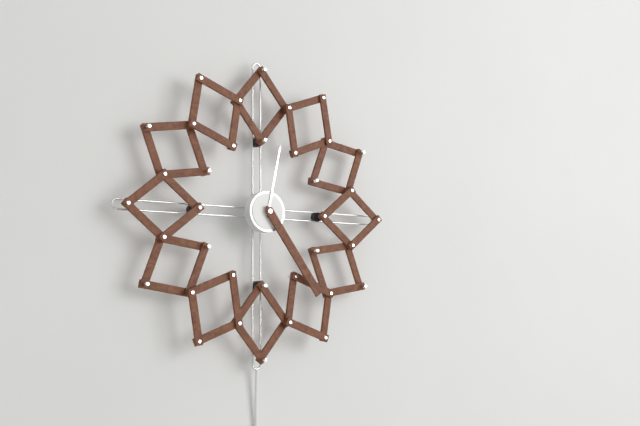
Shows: h=12 m=24
